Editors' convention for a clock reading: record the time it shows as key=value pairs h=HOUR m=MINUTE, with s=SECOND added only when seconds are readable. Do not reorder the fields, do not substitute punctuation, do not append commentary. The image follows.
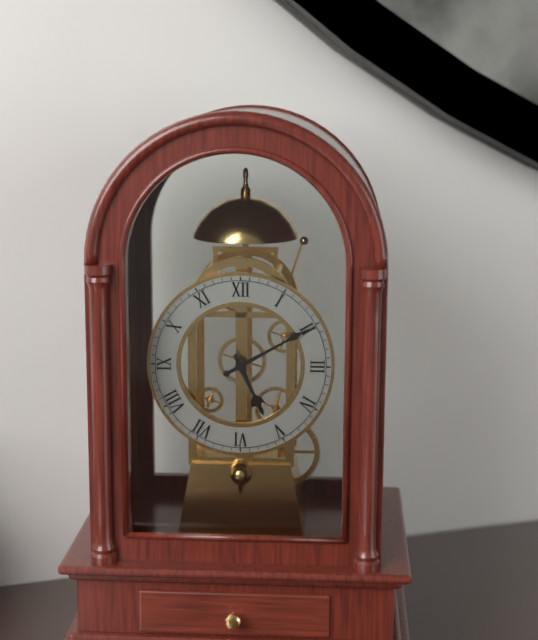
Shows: h=5 m=10
